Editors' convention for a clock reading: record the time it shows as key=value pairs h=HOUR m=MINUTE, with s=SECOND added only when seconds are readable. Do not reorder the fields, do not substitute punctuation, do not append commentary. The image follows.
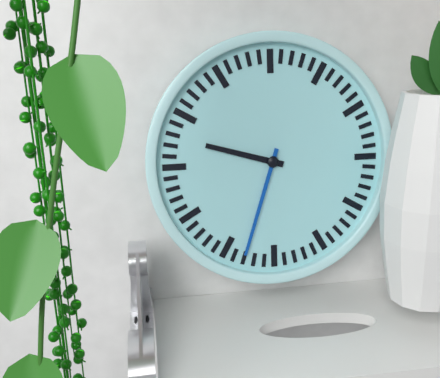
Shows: h=9 m=33
